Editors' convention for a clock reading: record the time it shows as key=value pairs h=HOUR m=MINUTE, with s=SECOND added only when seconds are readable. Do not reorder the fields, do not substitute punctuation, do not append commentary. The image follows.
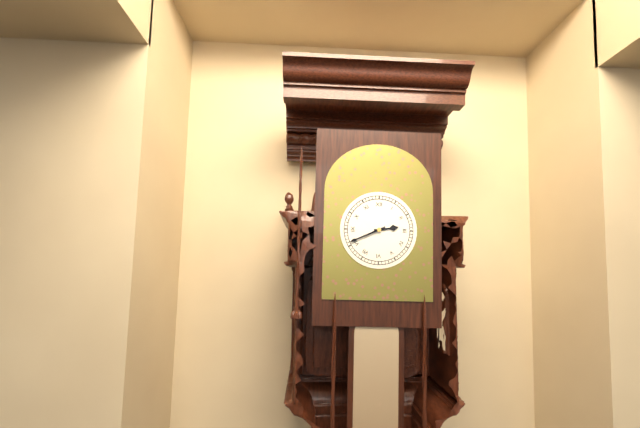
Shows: h=2 m=41
